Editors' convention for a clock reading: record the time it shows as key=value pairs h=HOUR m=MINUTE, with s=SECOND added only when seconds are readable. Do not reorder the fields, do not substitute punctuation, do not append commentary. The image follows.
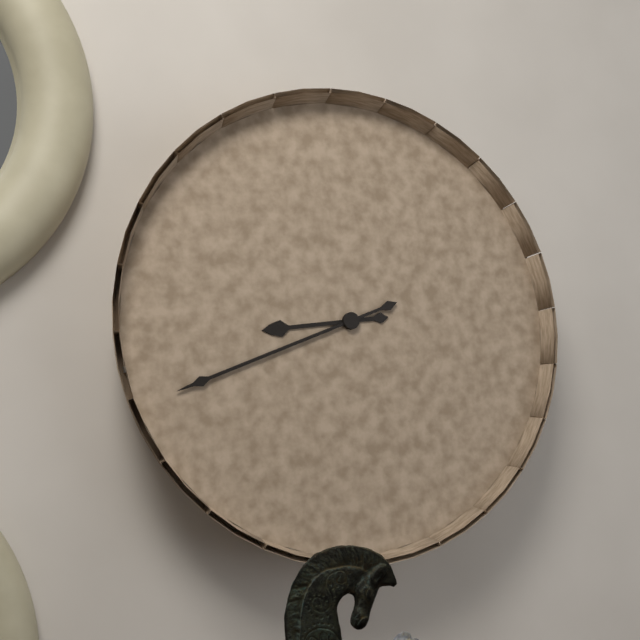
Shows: h=8 m=41
